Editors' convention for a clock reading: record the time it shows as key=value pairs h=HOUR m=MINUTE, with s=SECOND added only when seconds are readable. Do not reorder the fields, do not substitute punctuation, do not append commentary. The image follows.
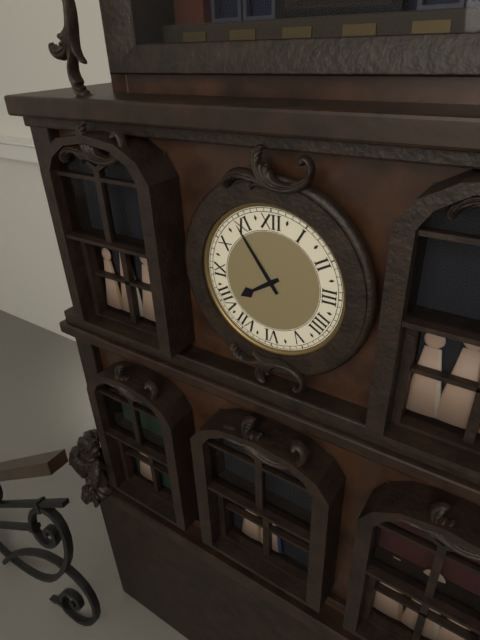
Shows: h=7 m=54
